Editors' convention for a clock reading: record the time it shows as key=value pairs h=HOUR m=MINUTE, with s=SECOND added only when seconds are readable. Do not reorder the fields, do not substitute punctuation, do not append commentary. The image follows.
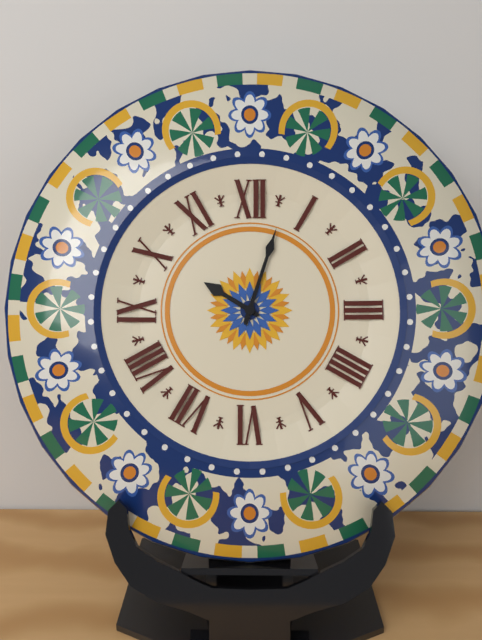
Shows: h=10 m=3
